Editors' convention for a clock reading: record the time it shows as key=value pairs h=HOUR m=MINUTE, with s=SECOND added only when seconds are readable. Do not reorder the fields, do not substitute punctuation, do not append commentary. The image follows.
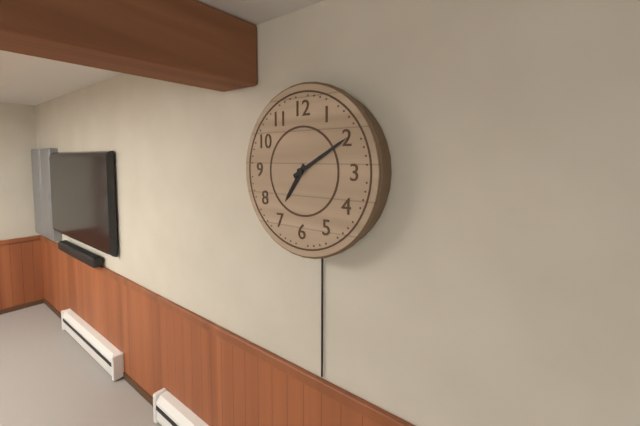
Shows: h=7 m=10
